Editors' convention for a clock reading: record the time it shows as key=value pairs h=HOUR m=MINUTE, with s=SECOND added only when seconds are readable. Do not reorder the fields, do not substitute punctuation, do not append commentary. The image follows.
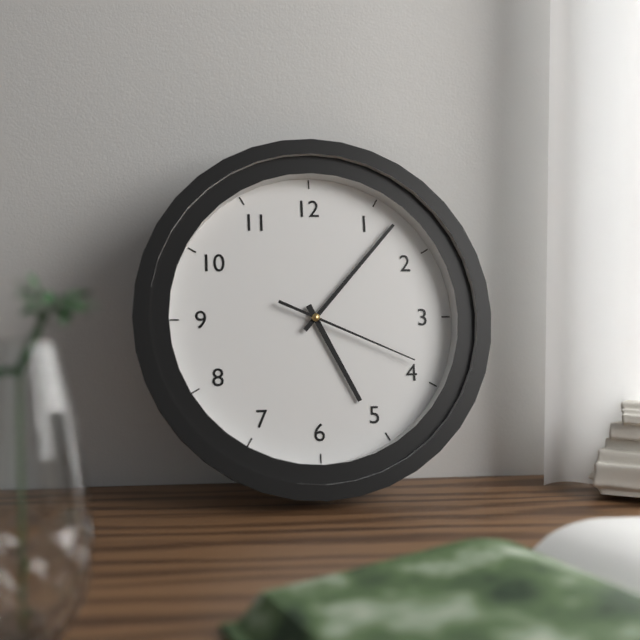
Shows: h=5 m=7 s=19
